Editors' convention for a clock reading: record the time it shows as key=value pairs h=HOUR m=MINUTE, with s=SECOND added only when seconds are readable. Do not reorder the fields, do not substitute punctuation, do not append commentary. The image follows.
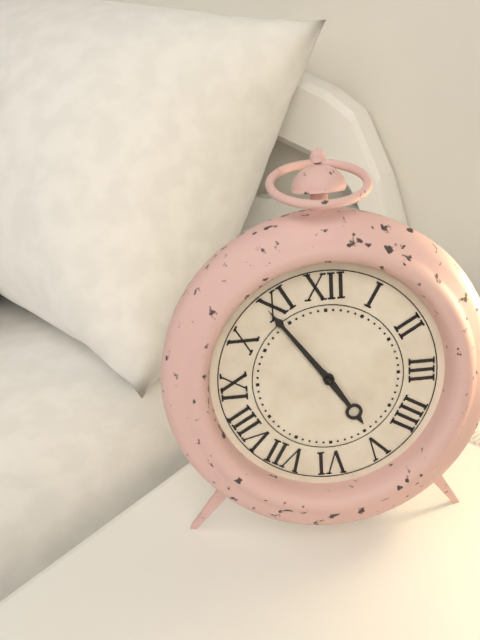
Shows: h=4 m=54
